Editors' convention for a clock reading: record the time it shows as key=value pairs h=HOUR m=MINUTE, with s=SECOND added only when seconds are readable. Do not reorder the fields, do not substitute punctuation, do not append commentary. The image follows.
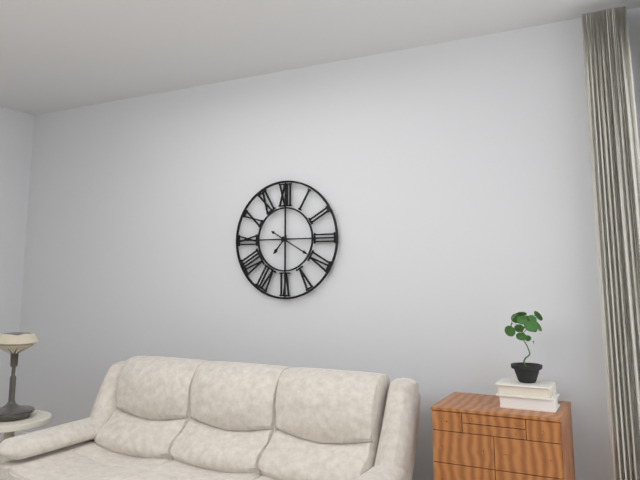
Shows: h=7 m=20
